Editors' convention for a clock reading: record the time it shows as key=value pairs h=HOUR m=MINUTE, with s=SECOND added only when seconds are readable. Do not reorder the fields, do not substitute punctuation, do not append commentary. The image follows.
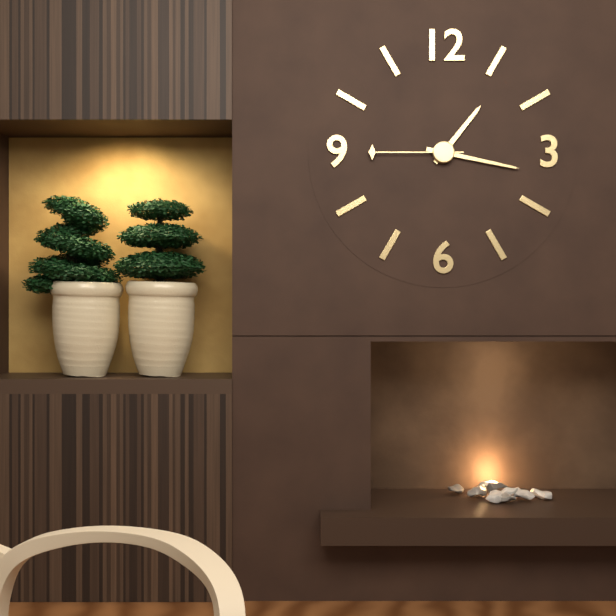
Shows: h=1 m=17 s=45
